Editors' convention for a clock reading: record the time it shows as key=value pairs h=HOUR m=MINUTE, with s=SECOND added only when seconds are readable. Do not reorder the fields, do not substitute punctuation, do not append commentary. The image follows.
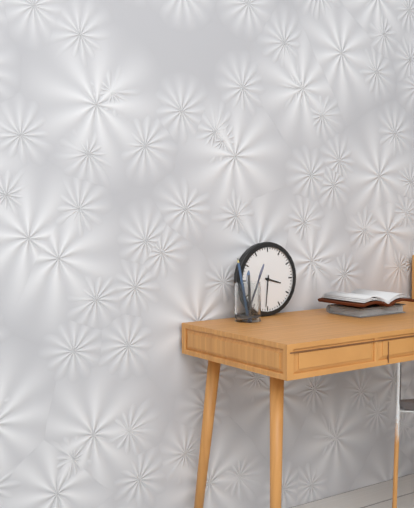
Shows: h=3 m=31
